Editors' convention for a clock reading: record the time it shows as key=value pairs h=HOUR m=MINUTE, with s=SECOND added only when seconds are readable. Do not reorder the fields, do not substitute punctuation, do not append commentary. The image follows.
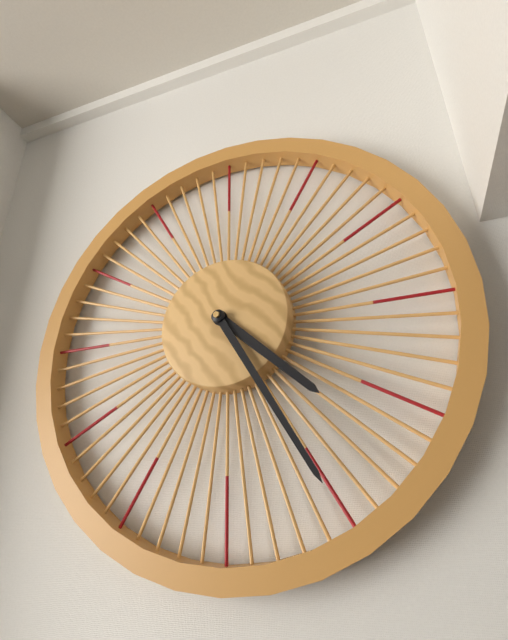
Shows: h=4 m=25
